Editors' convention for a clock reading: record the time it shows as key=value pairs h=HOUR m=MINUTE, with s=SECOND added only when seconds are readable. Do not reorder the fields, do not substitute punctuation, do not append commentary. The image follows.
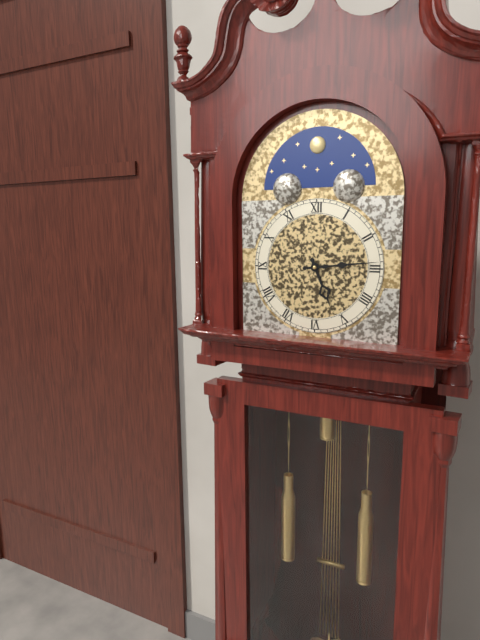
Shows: h=5 m=14
